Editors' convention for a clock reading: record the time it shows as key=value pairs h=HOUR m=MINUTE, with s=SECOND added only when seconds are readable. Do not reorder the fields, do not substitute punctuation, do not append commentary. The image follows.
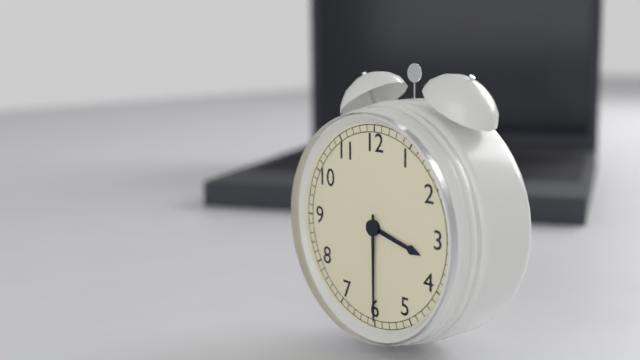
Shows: h=3 m=30
